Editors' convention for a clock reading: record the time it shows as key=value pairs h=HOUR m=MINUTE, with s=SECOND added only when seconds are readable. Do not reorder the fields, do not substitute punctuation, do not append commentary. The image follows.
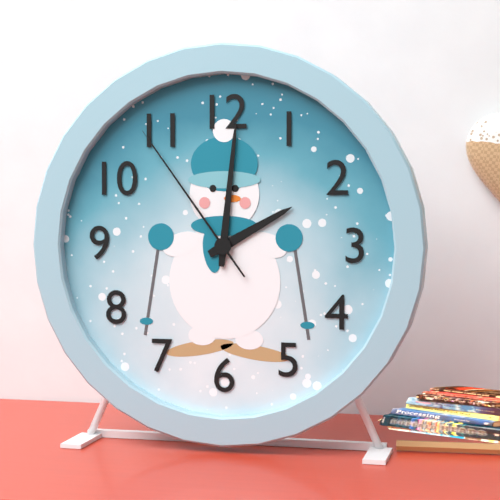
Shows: h=2 m=1 s=54
